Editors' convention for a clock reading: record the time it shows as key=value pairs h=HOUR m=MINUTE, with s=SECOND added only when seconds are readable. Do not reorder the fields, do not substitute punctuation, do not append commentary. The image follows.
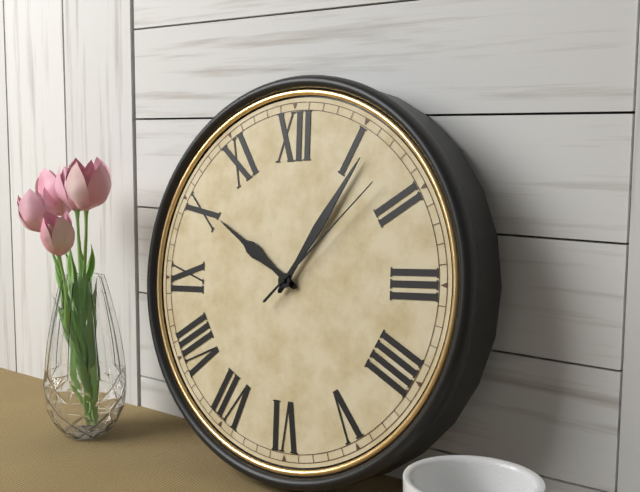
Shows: h=10 m=6 s=8
